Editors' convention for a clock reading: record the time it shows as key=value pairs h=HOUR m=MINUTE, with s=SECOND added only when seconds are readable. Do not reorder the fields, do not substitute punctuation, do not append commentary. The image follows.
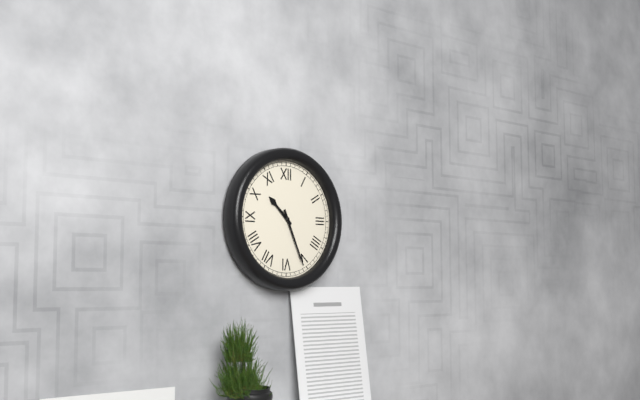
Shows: h=10 m=26
